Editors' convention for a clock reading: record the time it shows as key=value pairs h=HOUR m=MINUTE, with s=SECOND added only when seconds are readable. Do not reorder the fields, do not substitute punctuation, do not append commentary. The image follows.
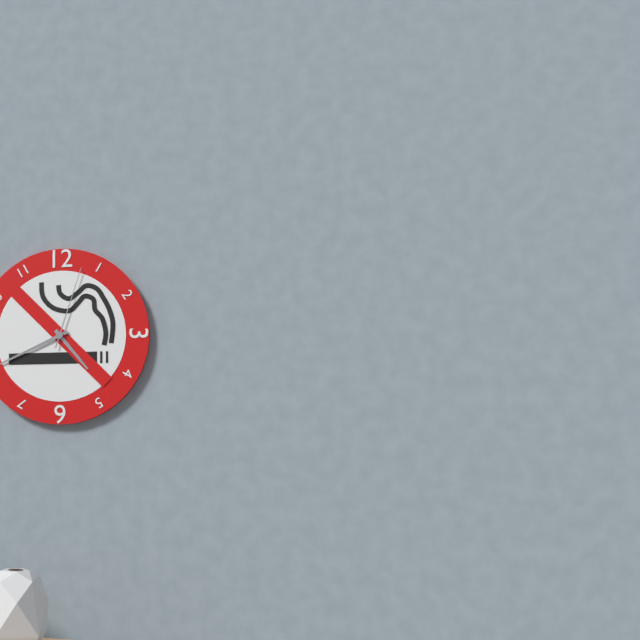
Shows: h=4 m=41 s=3
